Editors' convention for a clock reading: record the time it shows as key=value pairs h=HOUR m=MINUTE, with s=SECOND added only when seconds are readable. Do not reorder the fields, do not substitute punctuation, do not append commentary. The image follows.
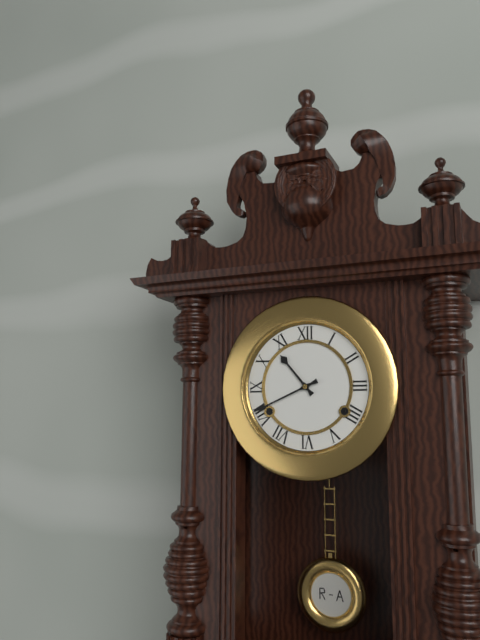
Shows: h=10 m=41
